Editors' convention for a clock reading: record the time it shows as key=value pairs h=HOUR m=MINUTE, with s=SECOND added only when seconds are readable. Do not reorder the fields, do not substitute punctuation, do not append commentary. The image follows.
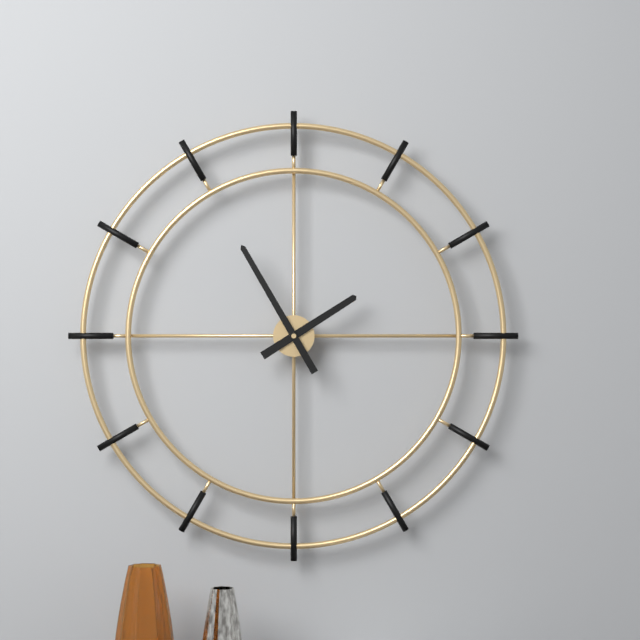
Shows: h=1 m=55
